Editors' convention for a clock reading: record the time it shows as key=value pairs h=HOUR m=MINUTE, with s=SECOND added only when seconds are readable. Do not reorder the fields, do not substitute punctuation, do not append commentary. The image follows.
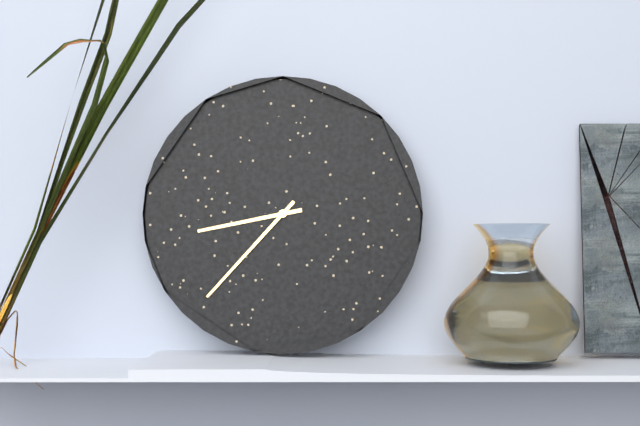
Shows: h=8 m=37
